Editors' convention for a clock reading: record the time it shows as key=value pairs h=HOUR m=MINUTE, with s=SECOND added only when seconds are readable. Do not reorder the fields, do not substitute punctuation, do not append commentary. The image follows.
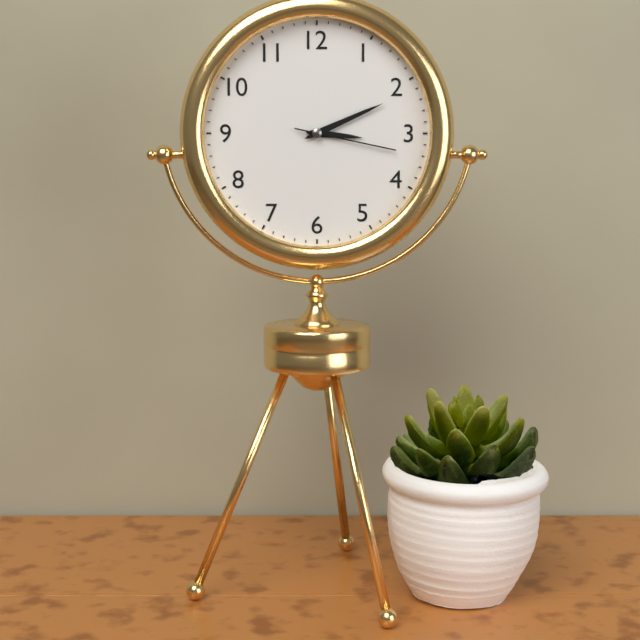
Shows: h=3 m=11 s=17
